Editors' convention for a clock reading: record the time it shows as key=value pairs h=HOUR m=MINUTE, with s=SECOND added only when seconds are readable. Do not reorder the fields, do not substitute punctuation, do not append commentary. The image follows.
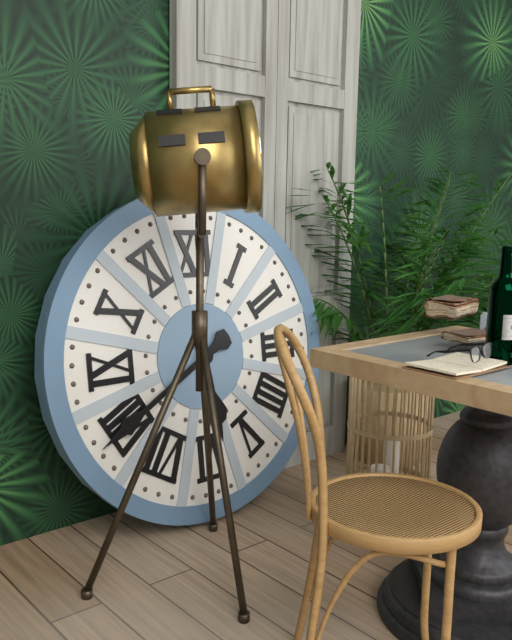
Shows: h=5 m=40
